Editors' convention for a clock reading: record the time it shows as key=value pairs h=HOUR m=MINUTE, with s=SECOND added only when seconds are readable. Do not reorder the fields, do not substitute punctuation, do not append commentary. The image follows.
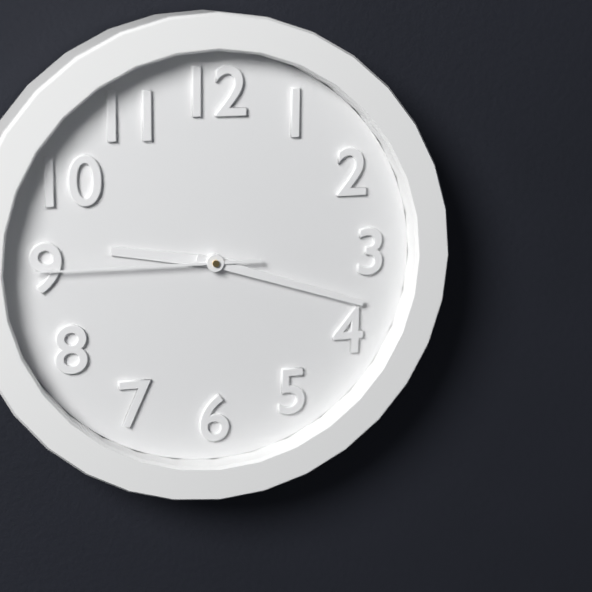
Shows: h=9 m=18 s=45
